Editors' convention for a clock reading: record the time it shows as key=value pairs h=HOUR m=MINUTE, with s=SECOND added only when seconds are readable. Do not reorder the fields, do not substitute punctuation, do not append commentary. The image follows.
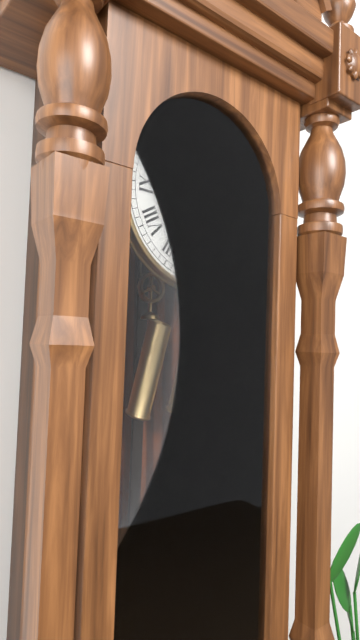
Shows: h=2 m=46
